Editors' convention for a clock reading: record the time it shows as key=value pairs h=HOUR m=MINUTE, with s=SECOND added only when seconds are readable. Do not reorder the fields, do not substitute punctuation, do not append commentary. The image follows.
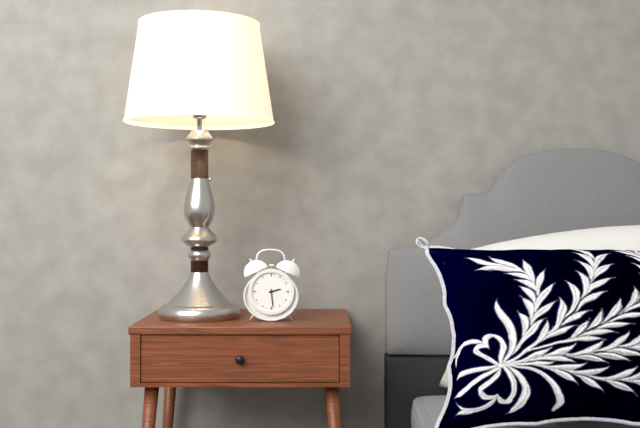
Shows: h=2 m=29
